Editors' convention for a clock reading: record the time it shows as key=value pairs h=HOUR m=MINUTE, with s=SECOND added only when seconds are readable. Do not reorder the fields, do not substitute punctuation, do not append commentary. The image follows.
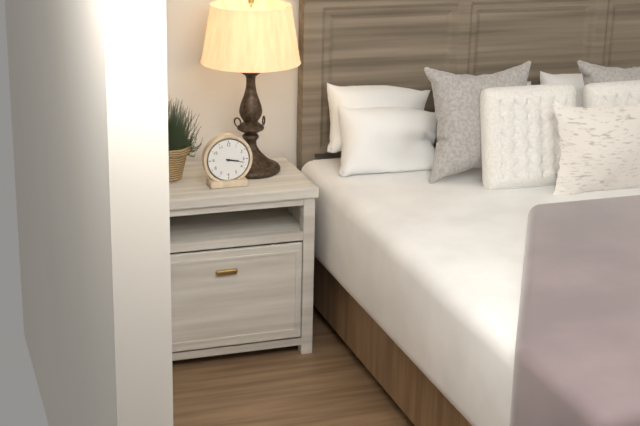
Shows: h=3 m=17
